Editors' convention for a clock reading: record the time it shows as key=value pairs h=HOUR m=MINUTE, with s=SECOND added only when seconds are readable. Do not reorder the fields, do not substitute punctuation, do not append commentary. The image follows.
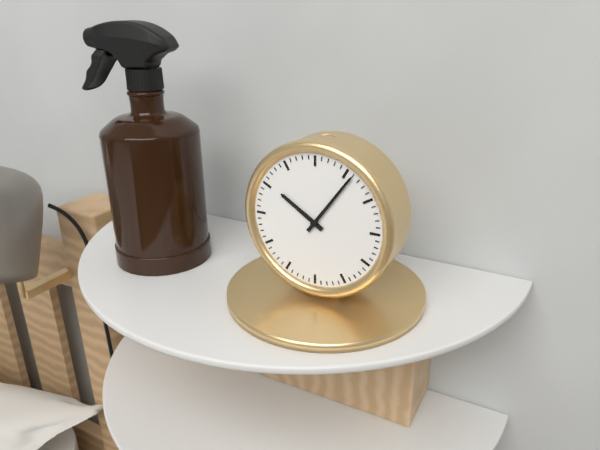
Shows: h=10 m=6
